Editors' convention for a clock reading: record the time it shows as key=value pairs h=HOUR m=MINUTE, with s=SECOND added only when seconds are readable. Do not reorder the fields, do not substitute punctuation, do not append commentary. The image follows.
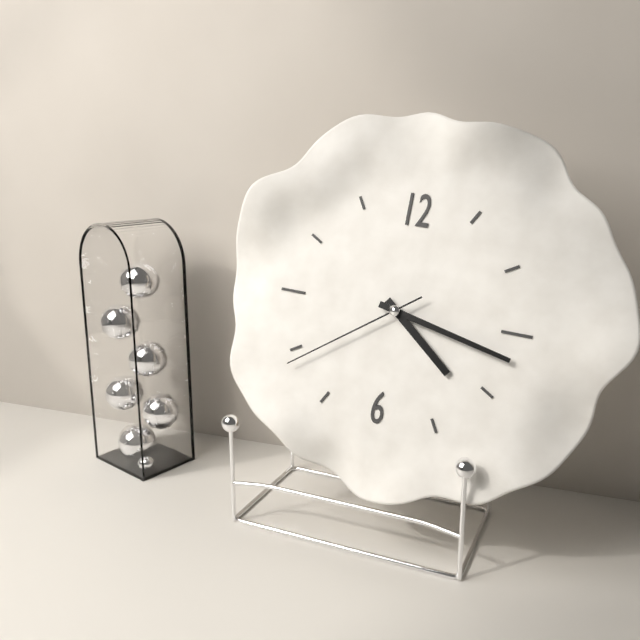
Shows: h=4 m=17 s=39
